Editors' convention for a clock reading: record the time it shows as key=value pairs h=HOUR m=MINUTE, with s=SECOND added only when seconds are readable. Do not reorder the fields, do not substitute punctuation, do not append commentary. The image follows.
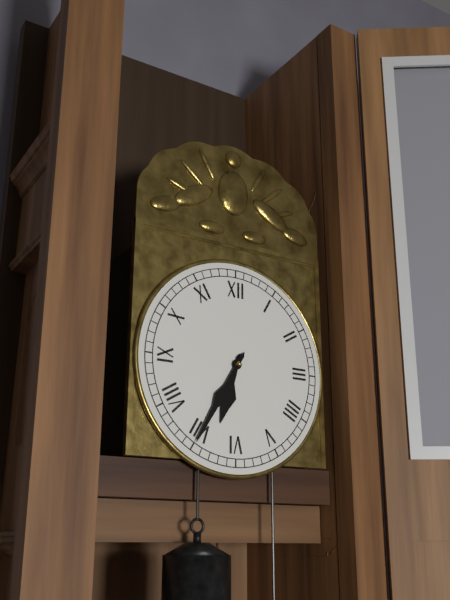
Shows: h=6 m=35
